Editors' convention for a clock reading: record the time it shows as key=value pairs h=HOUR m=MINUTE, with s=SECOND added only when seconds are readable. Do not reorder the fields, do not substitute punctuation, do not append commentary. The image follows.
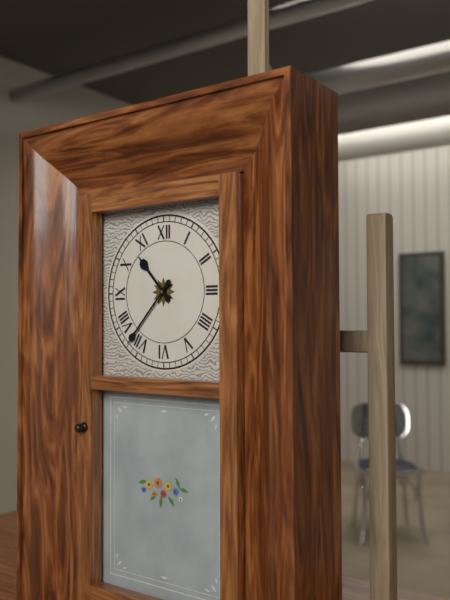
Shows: h=10 m=37
